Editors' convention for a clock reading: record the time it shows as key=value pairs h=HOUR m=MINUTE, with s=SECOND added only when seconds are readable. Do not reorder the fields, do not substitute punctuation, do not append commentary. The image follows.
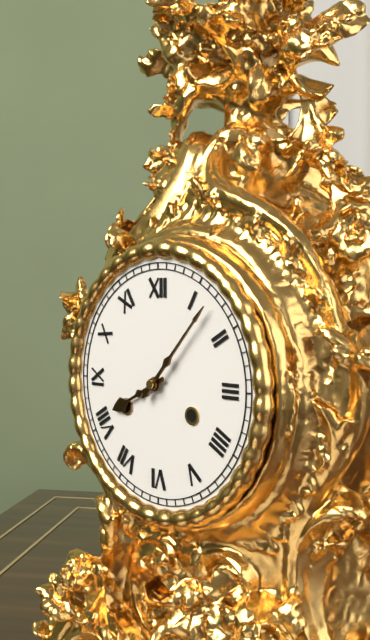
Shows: h=8 m=7
